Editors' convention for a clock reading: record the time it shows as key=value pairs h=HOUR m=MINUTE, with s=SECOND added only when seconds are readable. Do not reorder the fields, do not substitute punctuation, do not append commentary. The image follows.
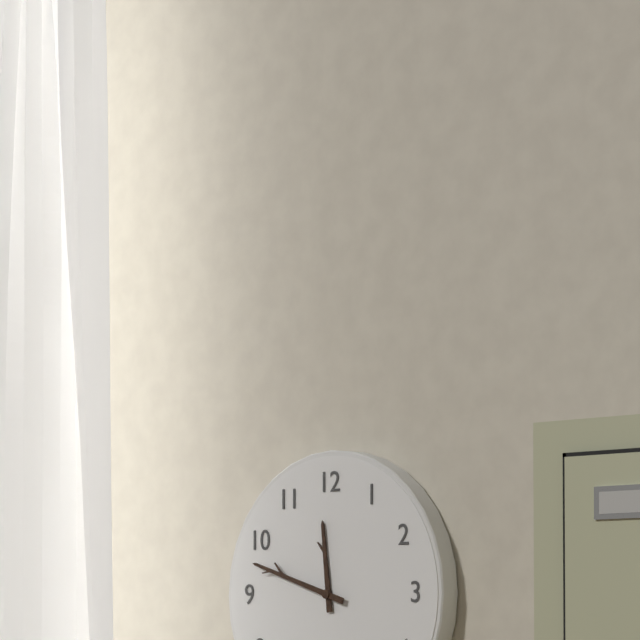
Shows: h=11 m=48
